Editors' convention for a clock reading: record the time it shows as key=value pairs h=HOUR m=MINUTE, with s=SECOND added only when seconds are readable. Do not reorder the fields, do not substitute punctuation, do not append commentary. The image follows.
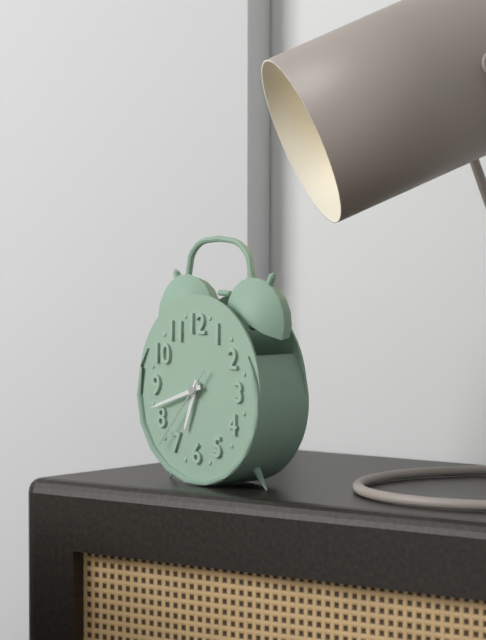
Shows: h=6 m=42 s=37
